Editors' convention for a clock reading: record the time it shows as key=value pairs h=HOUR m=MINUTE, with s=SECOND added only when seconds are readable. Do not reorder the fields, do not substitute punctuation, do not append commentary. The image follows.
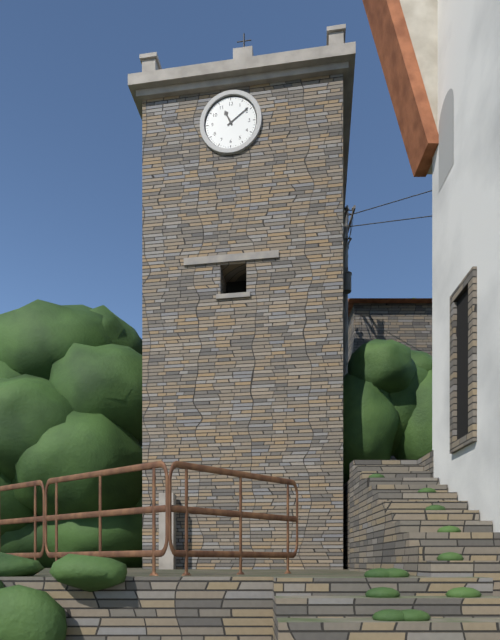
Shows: h=11 m=9
